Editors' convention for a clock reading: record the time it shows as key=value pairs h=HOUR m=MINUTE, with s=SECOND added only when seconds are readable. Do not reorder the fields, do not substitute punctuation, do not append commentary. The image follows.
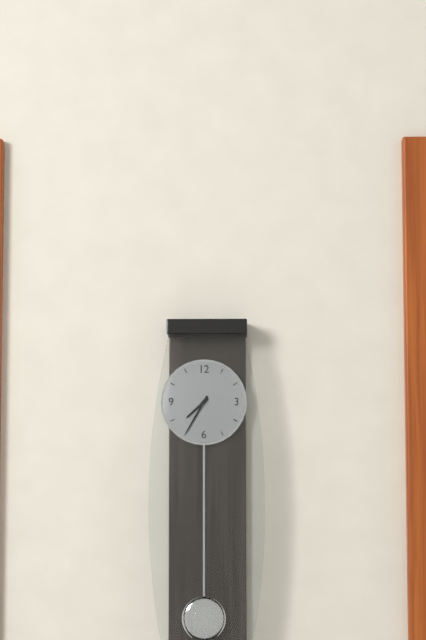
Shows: h=7 m=35
